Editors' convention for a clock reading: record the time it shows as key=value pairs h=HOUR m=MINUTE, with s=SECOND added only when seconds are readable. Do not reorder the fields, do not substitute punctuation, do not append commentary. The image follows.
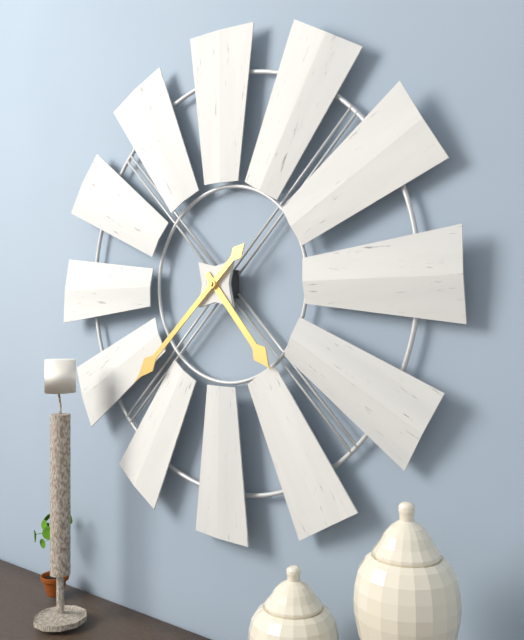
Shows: h=4 m=38
